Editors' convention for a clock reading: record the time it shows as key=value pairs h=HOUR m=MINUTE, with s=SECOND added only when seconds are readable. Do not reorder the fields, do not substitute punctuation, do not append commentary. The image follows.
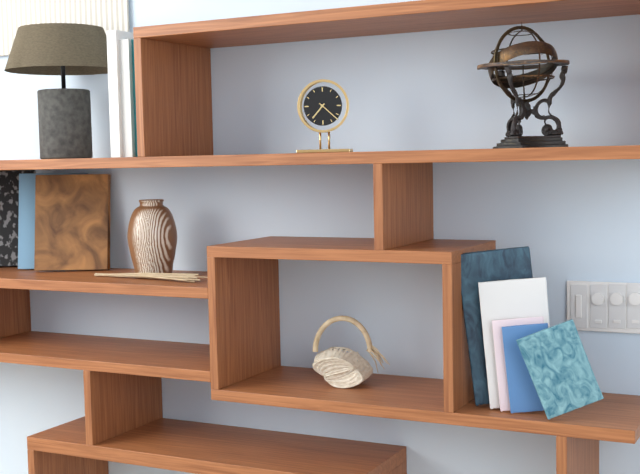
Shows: h=7 m=22
